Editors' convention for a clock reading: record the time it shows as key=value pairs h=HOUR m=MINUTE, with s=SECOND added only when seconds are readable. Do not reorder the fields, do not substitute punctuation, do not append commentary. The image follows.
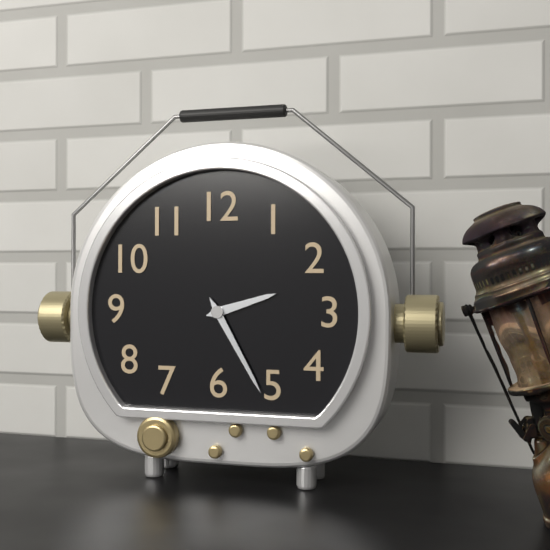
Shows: h=2 m=25
